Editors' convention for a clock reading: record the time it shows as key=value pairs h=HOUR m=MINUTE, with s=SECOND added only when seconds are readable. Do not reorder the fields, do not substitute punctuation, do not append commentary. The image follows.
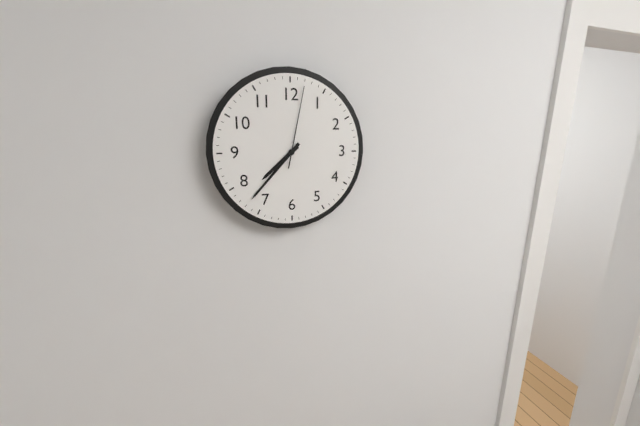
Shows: h=7 m=37 s=2
